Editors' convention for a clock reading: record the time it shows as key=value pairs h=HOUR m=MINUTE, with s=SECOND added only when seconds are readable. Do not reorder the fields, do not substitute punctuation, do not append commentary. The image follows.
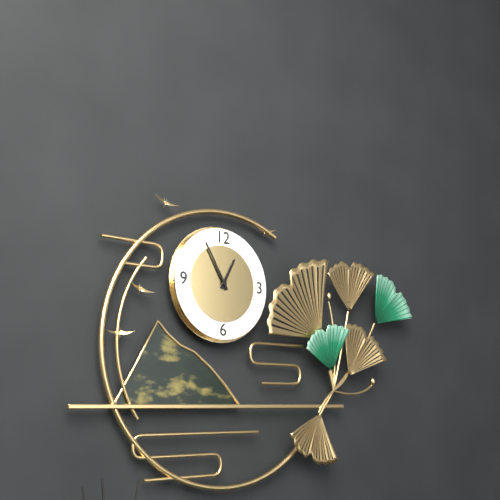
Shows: h=12 m=55
